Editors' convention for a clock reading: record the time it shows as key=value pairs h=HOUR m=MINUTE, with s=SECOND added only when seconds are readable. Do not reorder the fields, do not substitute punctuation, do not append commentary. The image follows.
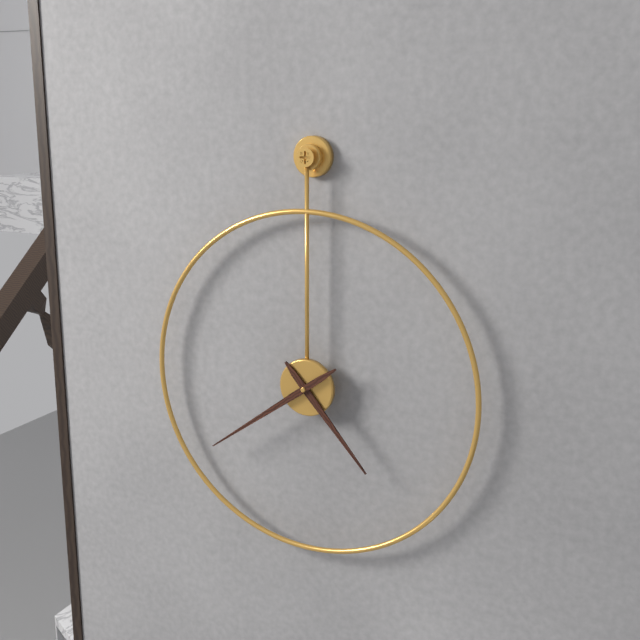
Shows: h=4 m=39
